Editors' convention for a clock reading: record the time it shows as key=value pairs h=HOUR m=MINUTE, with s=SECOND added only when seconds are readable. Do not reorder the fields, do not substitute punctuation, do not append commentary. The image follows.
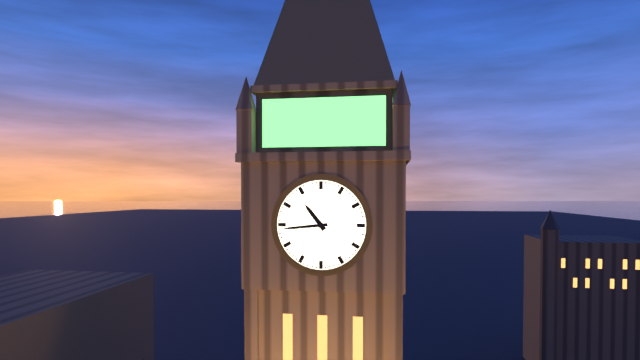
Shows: h=10 m=44
